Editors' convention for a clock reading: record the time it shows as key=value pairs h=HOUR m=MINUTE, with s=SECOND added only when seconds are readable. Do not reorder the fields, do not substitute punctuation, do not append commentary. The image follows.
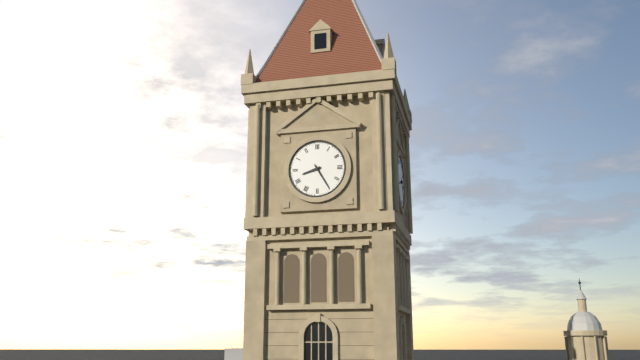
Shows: h=8 m=25
